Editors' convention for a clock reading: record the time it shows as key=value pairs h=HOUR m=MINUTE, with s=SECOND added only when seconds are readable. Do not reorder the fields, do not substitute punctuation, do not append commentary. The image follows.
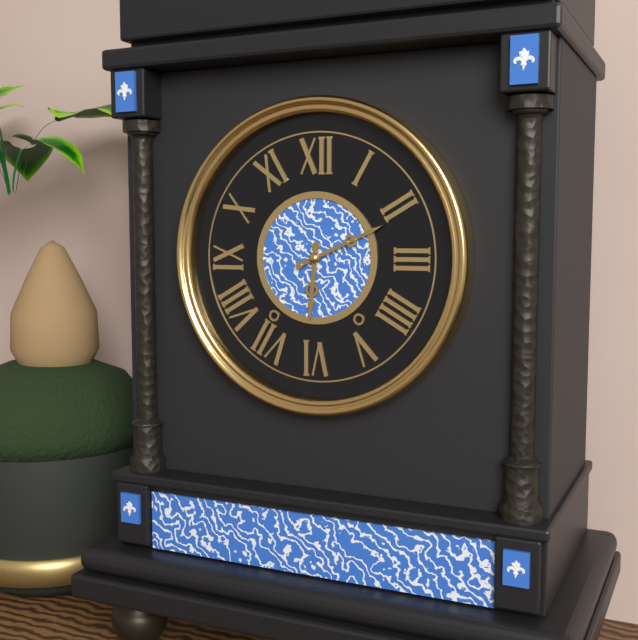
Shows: h=6 m=11
